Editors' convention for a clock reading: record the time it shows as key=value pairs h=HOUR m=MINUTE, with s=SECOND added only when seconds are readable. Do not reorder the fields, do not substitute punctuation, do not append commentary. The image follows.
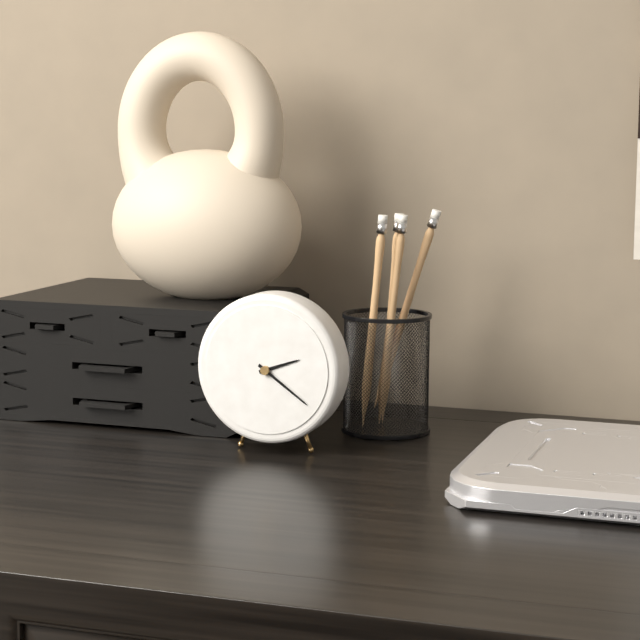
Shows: h=2 m=21
